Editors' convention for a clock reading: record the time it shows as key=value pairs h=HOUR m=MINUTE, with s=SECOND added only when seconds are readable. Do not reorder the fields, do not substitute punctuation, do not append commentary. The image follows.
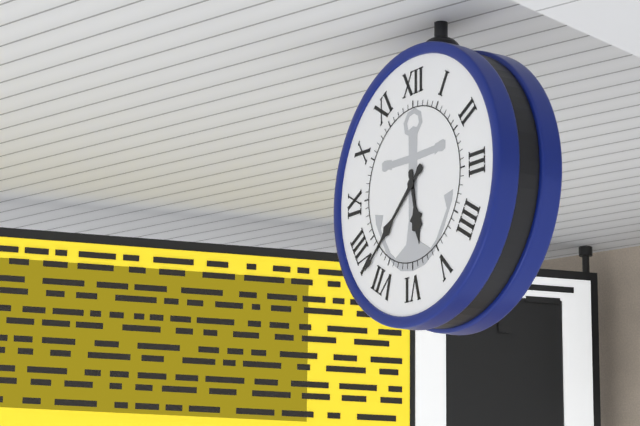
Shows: h=5 m=38
